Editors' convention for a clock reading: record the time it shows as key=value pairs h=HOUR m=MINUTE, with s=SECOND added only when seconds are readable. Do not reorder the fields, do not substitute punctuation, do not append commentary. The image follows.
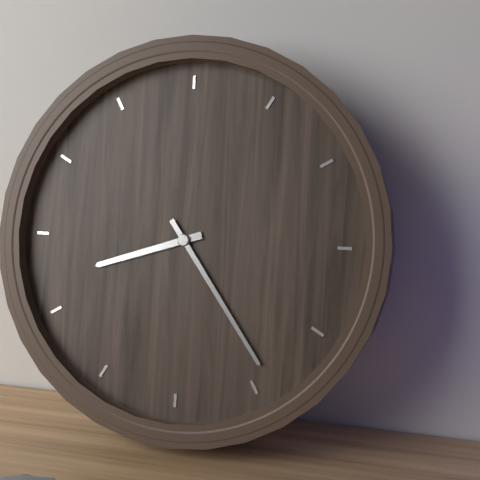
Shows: h=8 m=24
